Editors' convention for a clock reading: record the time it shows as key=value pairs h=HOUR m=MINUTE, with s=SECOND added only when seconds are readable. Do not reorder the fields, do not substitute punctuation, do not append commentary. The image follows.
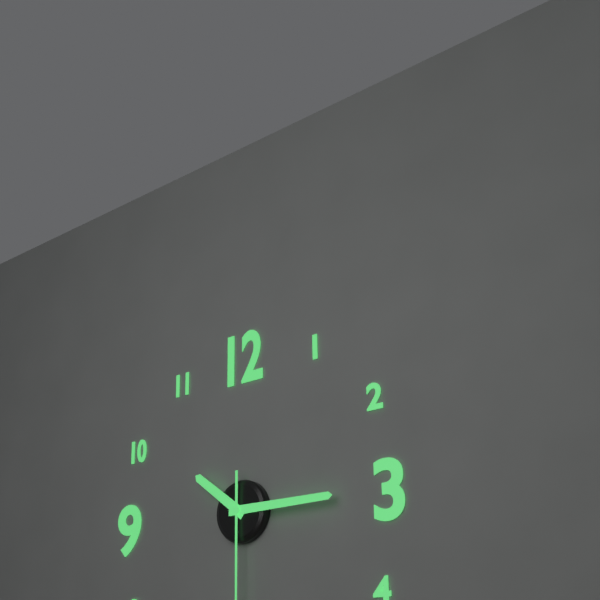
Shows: h=10 m=15
